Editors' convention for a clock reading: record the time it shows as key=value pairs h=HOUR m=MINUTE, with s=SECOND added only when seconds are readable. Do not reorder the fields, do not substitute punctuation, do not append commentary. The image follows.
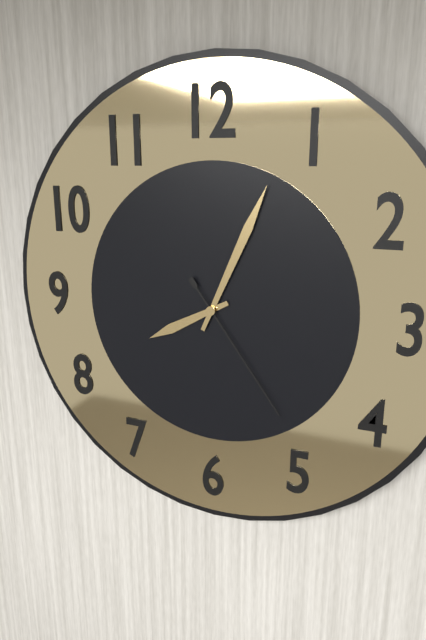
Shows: h=8 m=4 s=24
